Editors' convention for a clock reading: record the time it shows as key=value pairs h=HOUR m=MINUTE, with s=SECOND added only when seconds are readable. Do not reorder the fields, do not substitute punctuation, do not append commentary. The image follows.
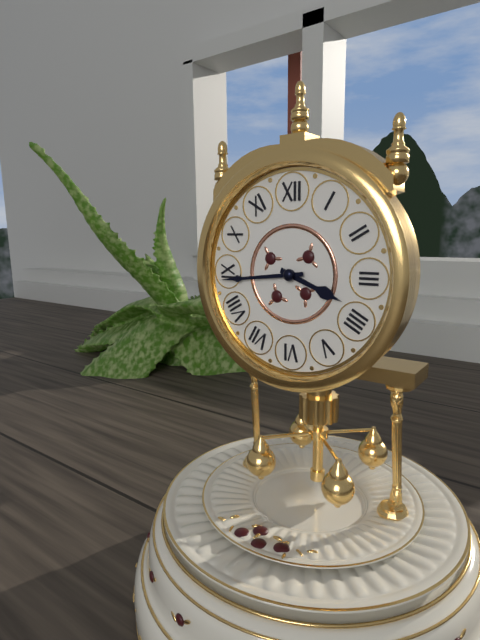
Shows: h=3 m=44
